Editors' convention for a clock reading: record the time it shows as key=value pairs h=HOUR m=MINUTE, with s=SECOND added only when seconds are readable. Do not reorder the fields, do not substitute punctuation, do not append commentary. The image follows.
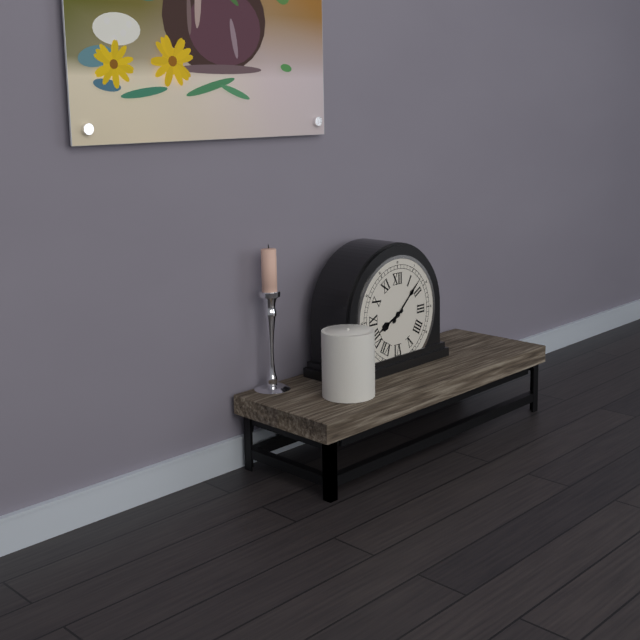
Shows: h=8 m=8
